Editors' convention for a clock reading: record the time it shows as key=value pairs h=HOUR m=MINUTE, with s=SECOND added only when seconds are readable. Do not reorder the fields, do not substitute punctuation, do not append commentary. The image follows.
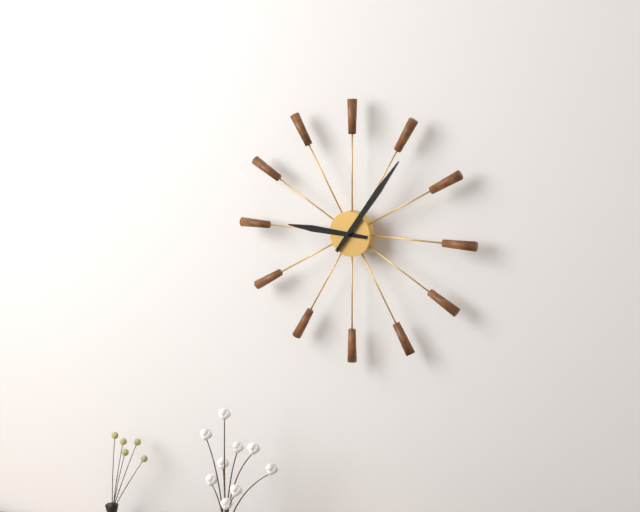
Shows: h=9 m=6
